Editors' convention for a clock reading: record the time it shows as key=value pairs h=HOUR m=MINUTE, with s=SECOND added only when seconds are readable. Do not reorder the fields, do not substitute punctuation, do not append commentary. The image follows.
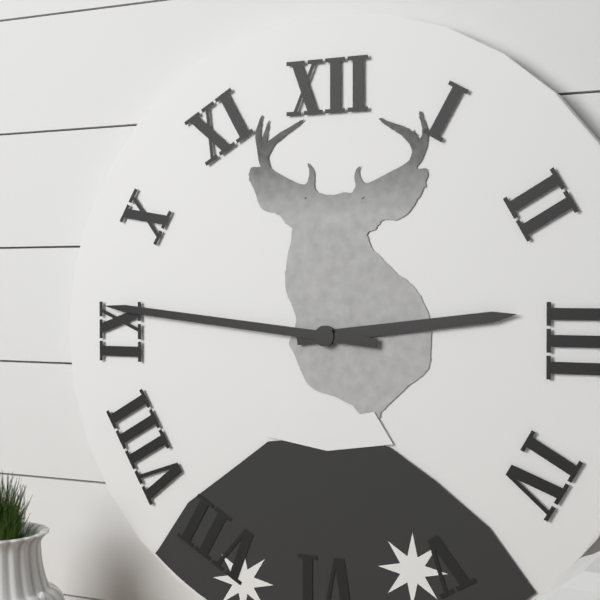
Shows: h=2 m=46
